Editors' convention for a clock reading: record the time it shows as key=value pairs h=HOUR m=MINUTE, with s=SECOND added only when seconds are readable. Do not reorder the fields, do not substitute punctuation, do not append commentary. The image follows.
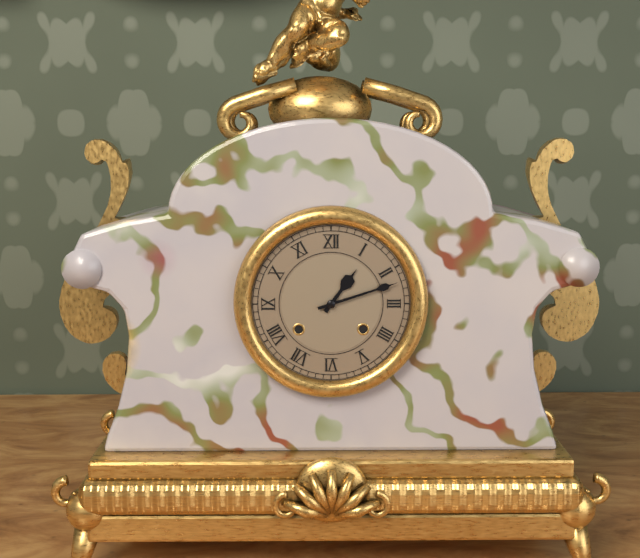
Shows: h=1 m=12
